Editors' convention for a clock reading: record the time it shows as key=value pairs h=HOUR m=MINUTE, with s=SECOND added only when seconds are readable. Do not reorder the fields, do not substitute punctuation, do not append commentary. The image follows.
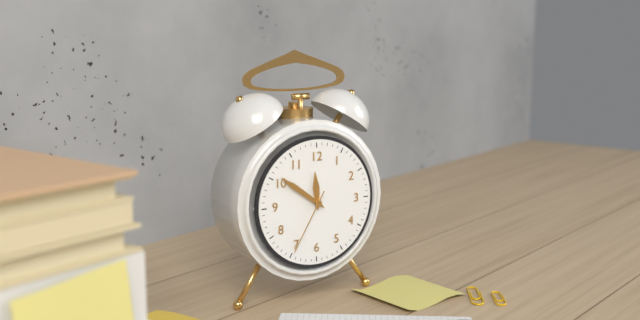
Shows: h=11 m=51 s=35
